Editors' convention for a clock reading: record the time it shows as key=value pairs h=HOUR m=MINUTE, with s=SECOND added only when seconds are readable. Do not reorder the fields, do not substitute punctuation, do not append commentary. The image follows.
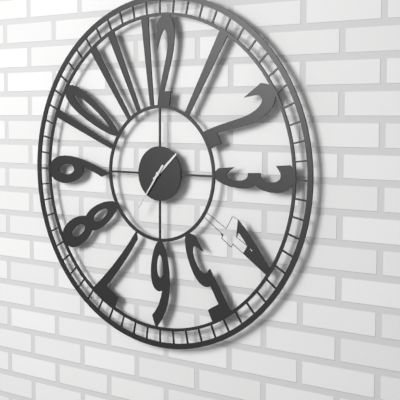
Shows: h=1 m=36
